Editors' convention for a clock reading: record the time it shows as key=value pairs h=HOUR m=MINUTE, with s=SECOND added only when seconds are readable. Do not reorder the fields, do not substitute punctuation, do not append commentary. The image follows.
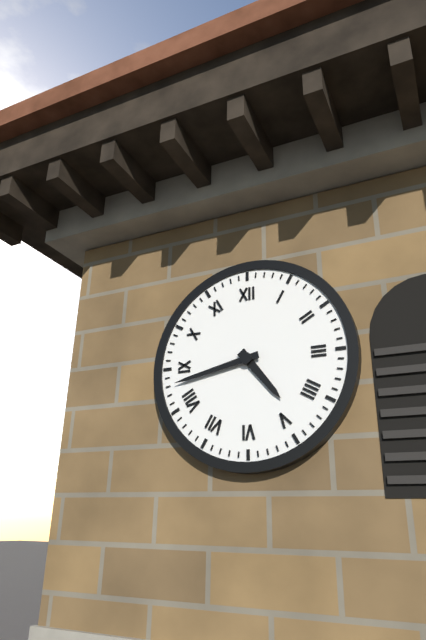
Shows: h=4 m=43
